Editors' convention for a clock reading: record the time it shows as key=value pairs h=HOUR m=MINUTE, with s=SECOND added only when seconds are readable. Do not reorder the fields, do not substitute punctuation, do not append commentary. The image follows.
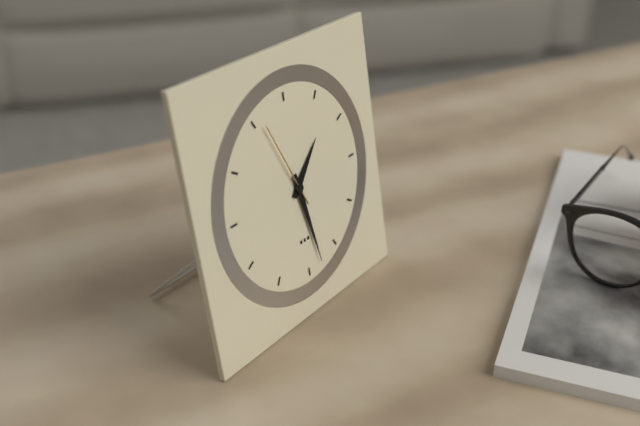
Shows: h=1 m=28 s=56
